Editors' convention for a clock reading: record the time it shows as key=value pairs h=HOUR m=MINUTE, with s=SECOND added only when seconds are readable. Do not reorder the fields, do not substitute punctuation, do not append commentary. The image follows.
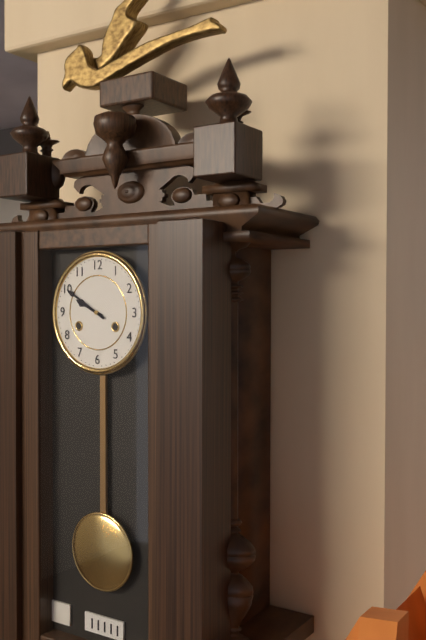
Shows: h=9 m=50
